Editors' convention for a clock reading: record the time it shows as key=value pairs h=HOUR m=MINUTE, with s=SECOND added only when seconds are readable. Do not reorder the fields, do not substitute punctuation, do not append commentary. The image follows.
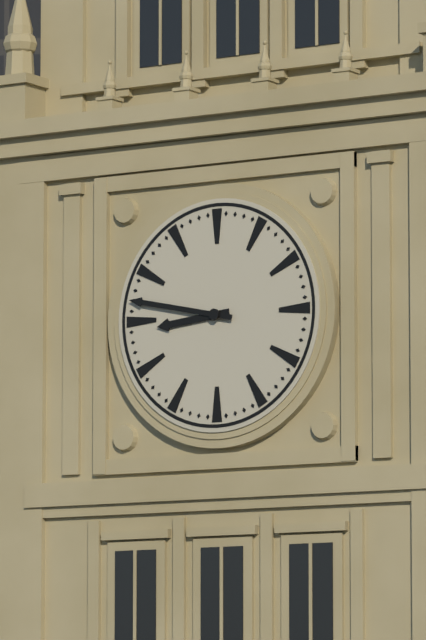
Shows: h=8 m=47
